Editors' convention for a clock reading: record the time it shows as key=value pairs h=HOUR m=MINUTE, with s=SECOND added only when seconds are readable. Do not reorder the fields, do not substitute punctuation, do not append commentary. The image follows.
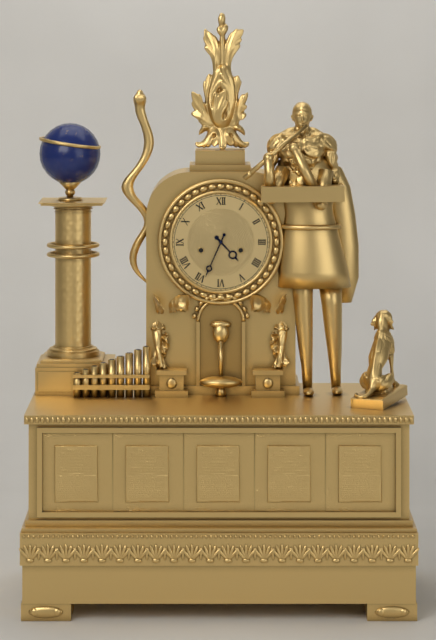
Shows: h=4 m=34
